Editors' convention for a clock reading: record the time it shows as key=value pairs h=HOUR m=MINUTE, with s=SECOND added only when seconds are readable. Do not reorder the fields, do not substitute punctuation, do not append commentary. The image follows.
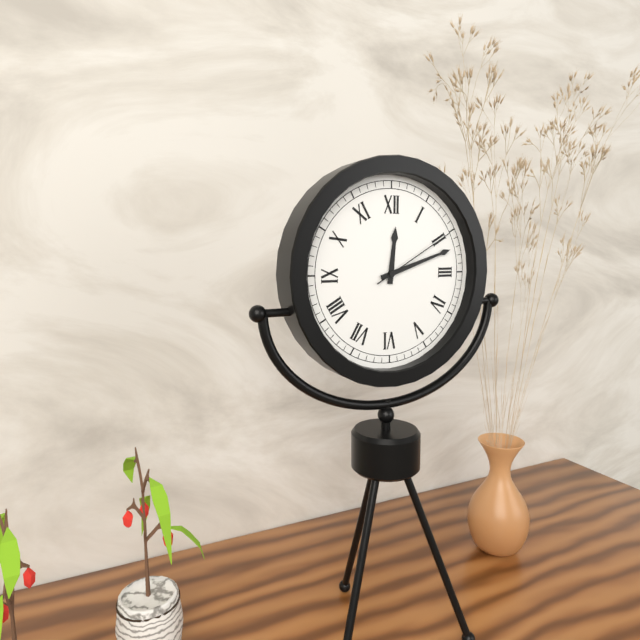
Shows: h=12 m=12 s=10
